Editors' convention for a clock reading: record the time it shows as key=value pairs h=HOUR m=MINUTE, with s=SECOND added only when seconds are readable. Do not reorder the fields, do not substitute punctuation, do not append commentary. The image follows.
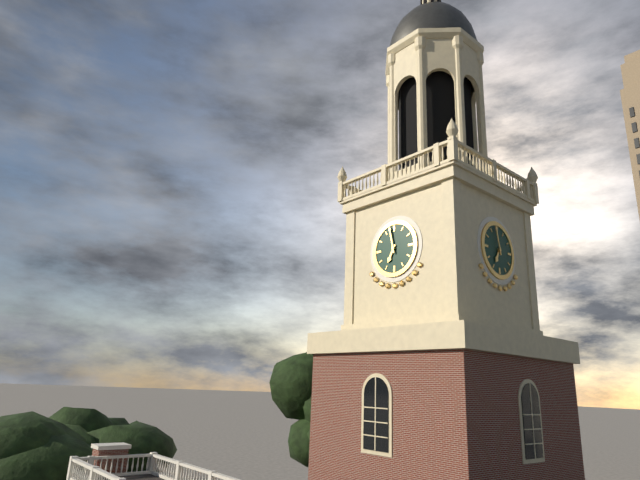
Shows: h=6 m=58
